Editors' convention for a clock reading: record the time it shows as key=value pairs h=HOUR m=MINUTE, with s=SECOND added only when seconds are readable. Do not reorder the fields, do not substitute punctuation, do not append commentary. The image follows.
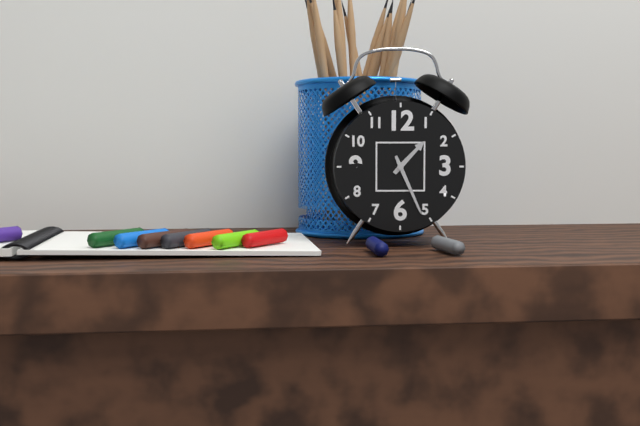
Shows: h=1 m=26
